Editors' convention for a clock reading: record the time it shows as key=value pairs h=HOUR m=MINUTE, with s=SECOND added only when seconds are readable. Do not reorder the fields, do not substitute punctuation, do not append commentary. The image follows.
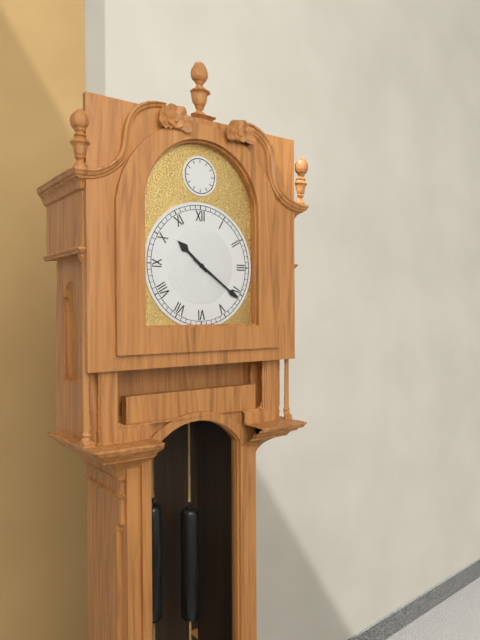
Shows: h=10 m=21
